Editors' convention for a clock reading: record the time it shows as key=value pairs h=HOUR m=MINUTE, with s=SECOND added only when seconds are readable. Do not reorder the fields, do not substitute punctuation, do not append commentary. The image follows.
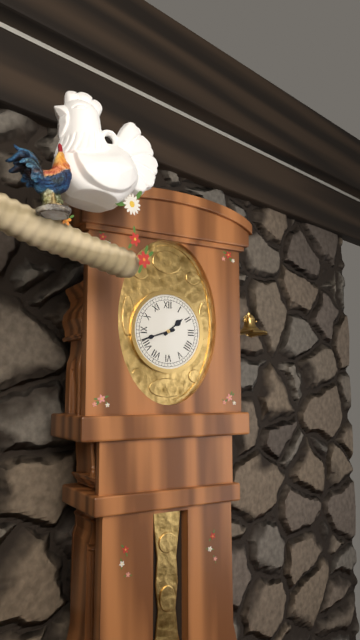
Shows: h=1 m=42
